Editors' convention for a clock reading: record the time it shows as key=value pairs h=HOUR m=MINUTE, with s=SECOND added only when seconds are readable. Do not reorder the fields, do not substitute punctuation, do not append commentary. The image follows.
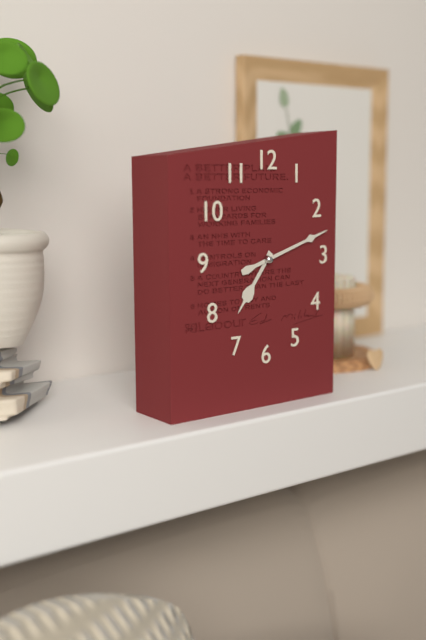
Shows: h=7 m=12
